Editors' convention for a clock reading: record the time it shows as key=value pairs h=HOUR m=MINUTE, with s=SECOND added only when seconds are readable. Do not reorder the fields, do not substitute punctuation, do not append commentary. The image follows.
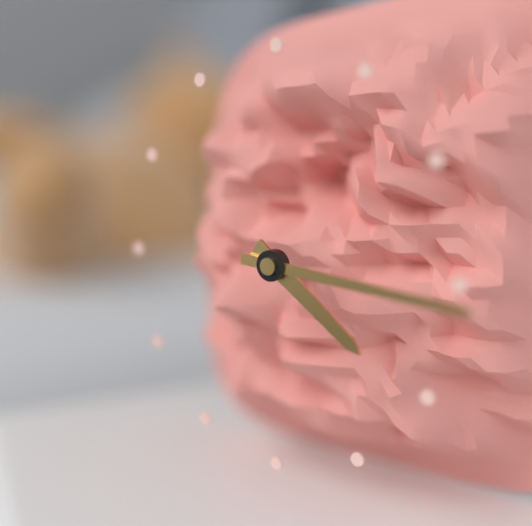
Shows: h=4 m=16
